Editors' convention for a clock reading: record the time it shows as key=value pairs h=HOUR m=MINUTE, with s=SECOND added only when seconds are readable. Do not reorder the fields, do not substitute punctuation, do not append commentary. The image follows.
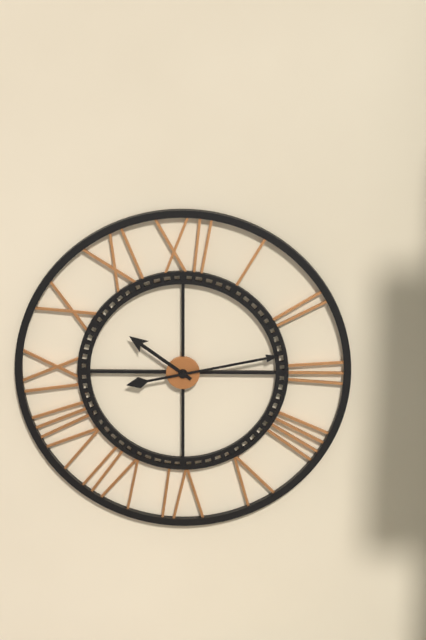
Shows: h=10 m=13
